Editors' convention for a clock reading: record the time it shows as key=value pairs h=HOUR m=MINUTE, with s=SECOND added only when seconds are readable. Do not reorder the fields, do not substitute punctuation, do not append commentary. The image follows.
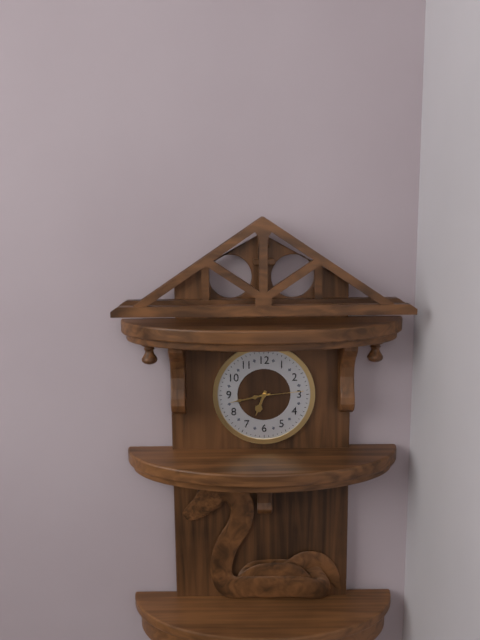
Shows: h=6 m=43 s=14
